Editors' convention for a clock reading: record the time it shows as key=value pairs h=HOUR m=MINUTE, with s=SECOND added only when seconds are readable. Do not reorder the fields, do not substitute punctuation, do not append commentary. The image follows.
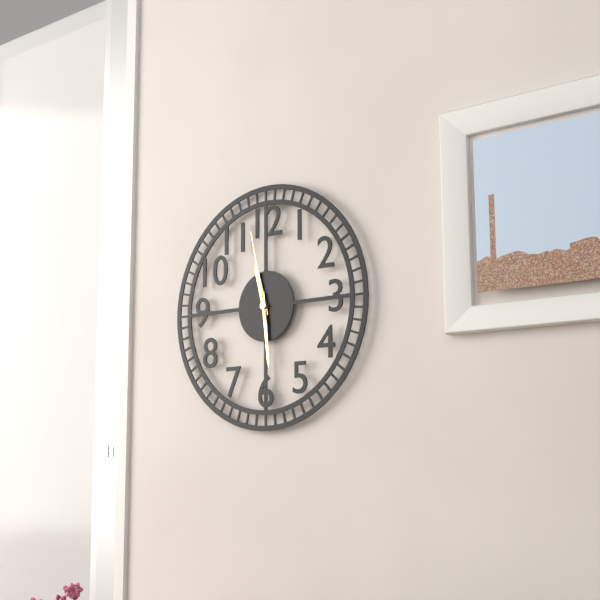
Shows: h=11 m=29 s=58
